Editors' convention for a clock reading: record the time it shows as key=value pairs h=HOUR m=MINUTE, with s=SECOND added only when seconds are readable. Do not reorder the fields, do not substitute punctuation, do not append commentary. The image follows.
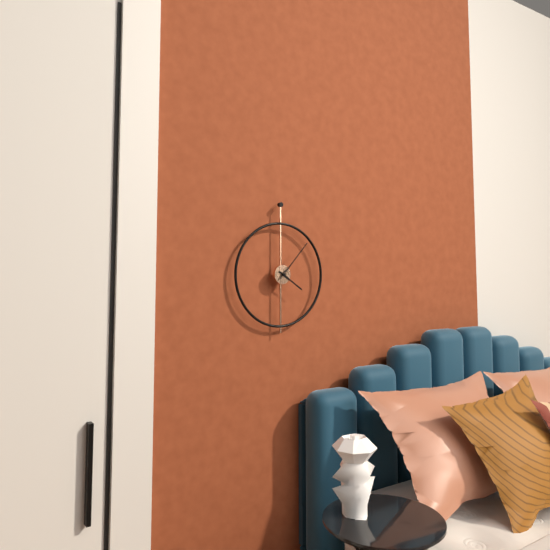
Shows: h=4 m=7
